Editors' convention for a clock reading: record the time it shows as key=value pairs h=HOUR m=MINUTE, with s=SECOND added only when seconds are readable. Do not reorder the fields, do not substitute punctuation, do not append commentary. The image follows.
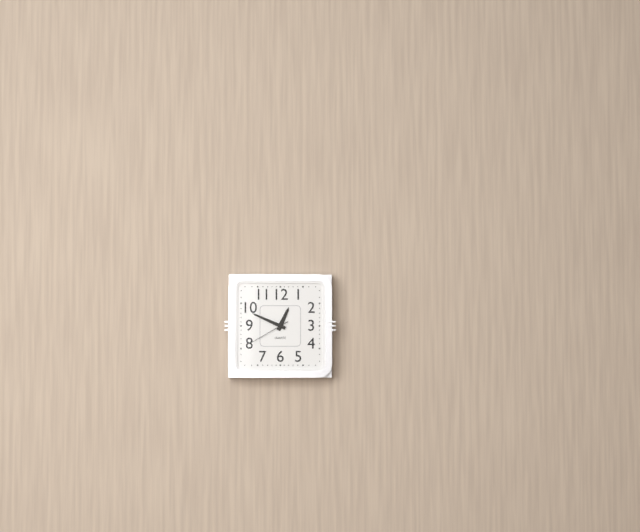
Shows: h=12 m=49
